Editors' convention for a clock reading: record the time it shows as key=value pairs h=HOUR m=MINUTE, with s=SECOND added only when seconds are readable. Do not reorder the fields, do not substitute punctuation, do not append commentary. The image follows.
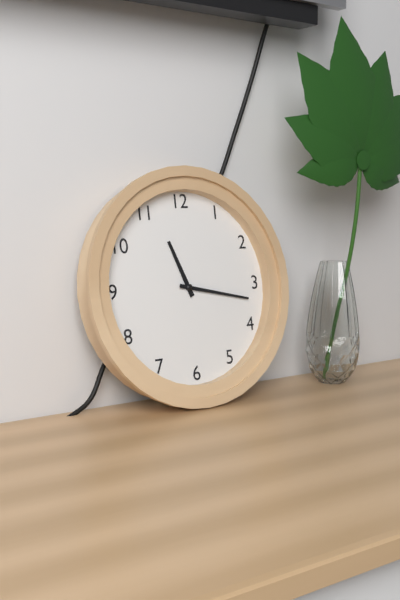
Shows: h=11 m=17
